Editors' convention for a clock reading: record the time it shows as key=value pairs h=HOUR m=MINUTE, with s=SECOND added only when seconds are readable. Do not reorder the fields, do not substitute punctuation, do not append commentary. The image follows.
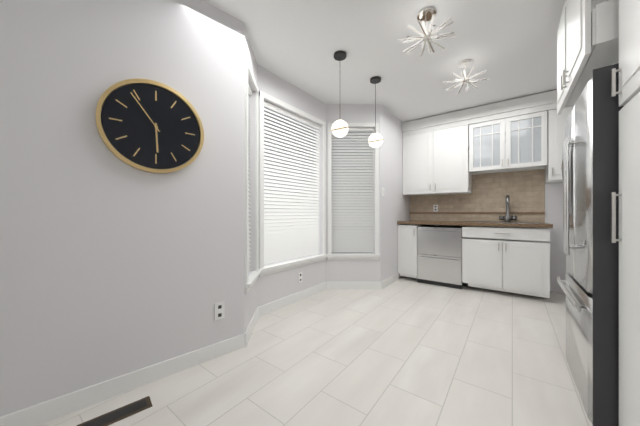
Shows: h=5 m=54
